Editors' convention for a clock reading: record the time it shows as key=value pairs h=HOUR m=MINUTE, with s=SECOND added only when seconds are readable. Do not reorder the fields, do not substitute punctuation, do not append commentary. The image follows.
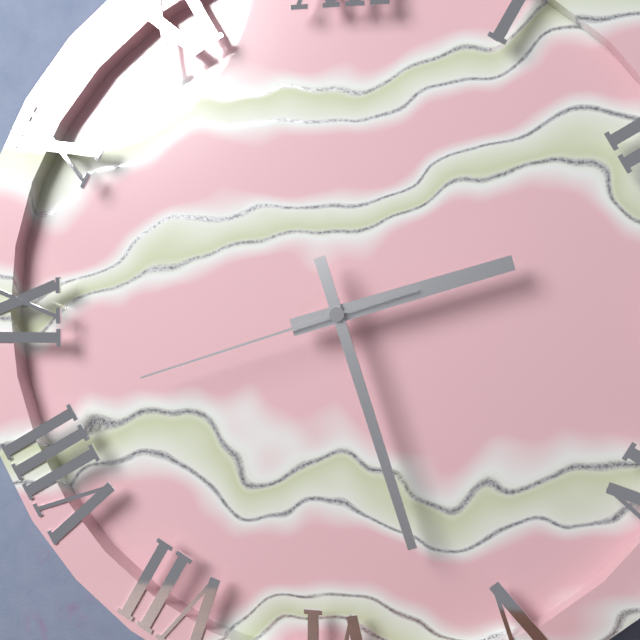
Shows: h=2 m=27 s=42
